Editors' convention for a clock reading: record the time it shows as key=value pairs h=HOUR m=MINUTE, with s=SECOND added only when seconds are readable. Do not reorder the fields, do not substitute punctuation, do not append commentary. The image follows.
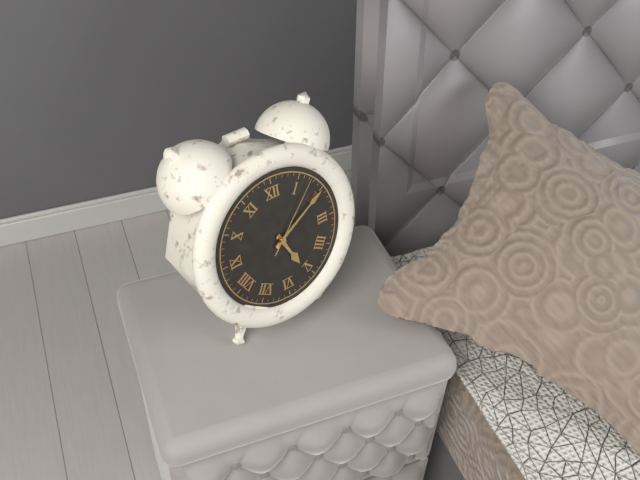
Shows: h=5 m=10 s=7
